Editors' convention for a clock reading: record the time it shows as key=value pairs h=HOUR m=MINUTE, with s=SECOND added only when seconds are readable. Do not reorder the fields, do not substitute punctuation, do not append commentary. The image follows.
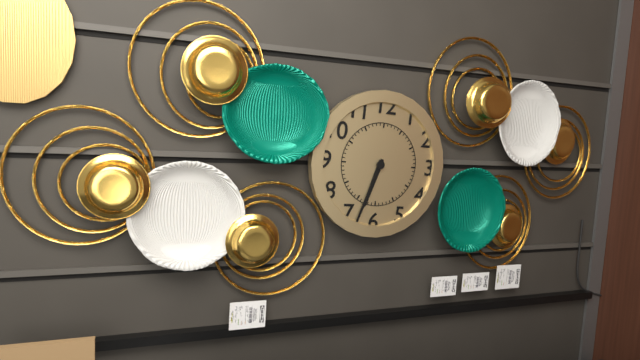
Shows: h=6 m=33
